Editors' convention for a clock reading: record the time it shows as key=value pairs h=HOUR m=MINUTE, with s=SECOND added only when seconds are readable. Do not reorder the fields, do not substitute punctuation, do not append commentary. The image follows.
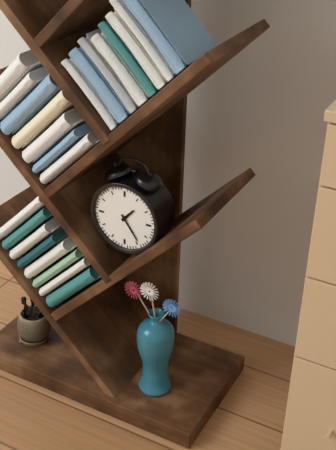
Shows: h=1 m=24
